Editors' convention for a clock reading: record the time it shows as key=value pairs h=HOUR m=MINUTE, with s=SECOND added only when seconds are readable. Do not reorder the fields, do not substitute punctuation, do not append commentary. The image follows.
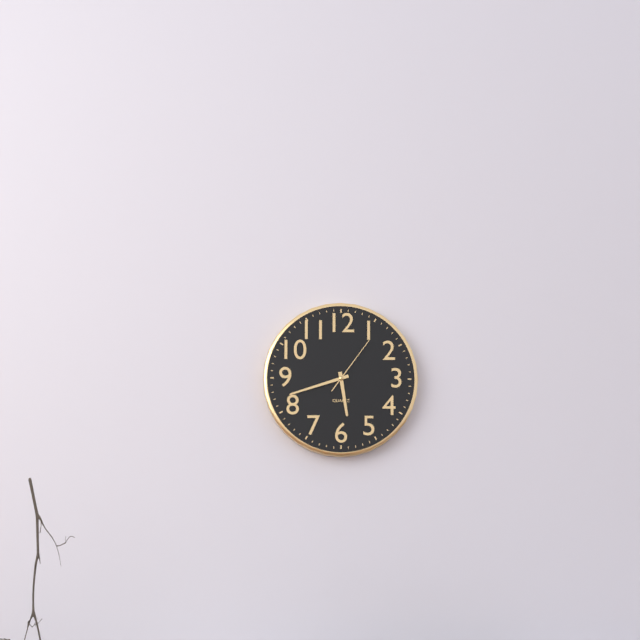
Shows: h=5 m=42 s=6
